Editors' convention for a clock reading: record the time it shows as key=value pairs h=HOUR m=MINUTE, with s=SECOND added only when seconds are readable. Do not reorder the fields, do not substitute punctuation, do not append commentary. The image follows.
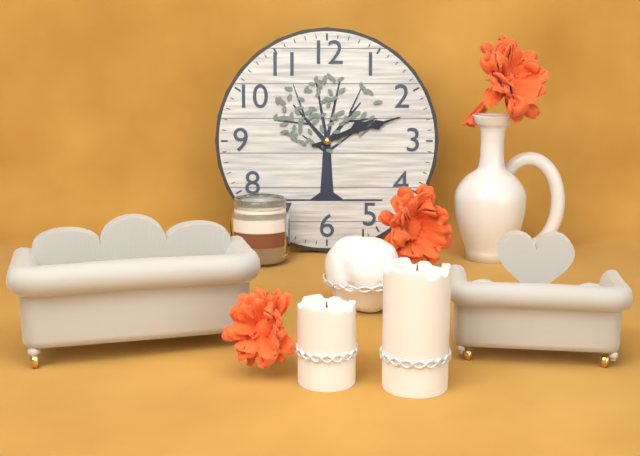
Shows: h=2 m=12
